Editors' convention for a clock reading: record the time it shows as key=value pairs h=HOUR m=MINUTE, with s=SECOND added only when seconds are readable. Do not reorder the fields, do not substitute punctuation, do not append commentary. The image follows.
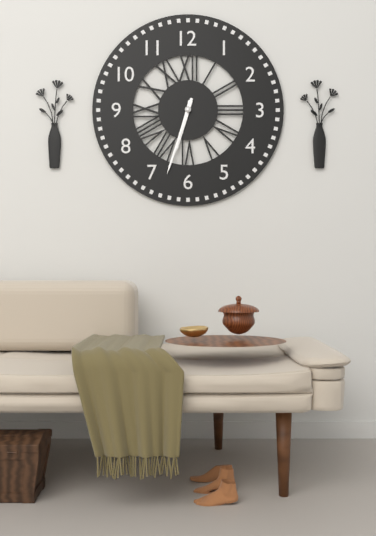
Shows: h=6 m=33
